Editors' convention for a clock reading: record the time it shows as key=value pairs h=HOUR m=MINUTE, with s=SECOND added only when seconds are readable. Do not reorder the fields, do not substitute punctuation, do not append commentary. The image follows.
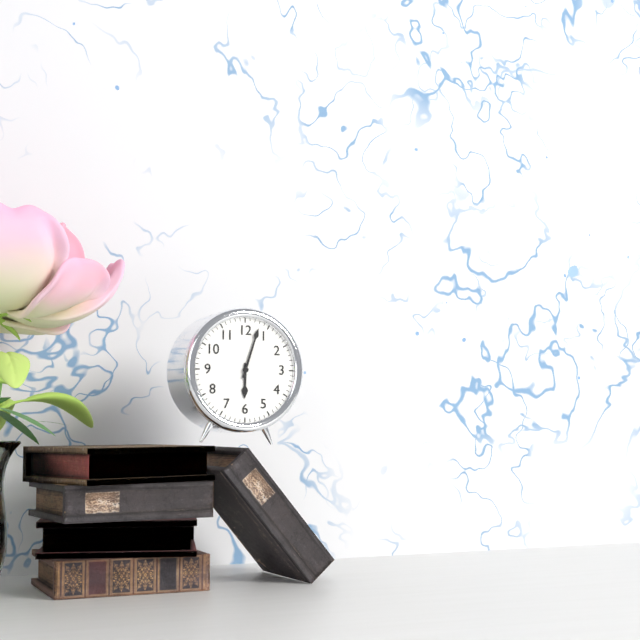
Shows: h=6 m=3
